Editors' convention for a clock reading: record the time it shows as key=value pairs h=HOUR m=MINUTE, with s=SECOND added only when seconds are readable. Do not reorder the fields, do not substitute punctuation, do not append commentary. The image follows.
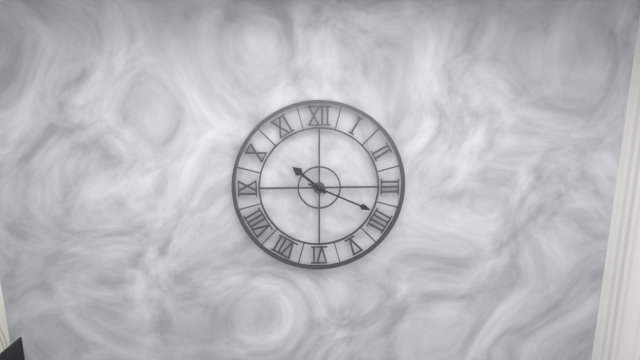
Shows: h=10 m=19
